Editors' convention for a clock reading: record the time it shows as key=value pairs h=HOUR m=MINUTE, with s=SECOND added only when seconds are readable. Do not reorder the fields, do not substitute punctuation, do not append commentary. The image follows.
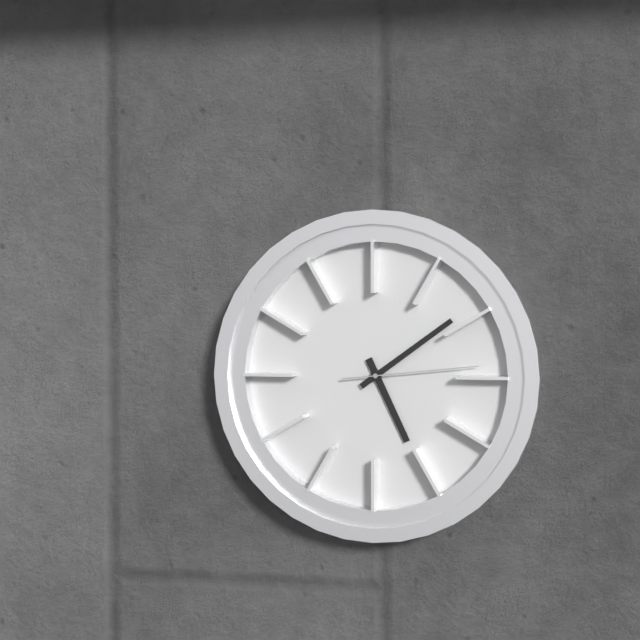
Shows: h=5 m=9 s=14
